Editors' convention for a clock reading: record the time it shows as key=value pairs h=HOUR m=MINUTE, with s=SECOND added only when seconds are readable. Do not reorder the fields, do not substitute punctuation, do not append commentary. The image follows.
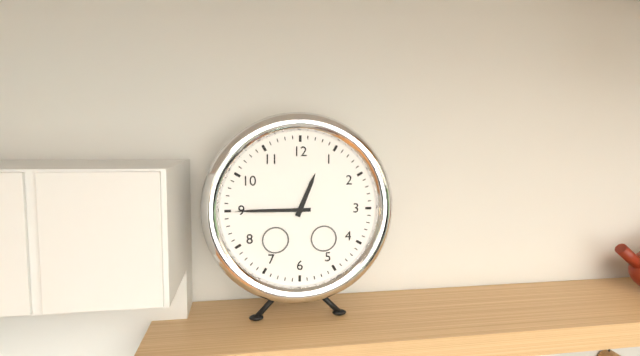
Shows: h=12 m=45
